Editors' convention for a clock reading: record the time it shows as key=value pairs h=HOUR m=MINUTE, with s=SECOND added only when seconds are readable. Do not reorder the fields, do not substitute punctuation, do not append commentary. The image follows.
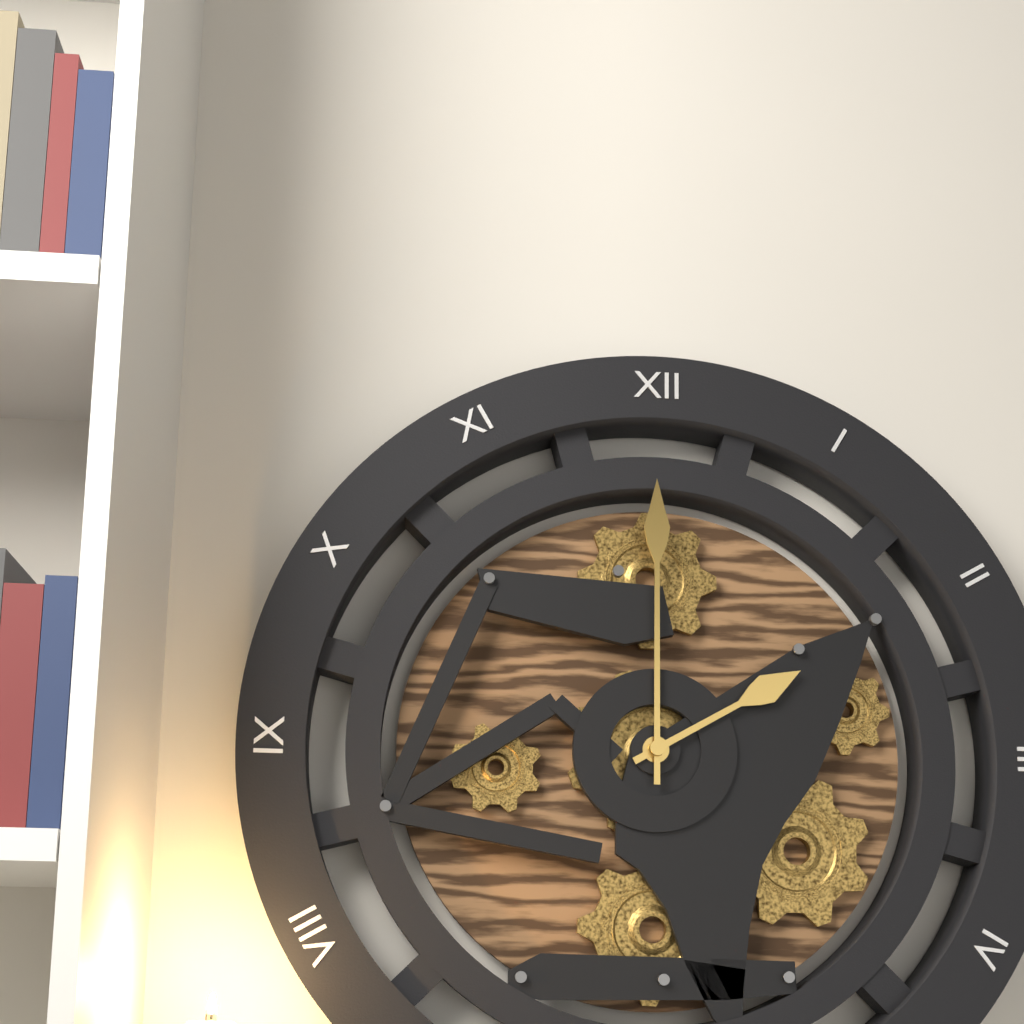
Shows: h=2 m=0
